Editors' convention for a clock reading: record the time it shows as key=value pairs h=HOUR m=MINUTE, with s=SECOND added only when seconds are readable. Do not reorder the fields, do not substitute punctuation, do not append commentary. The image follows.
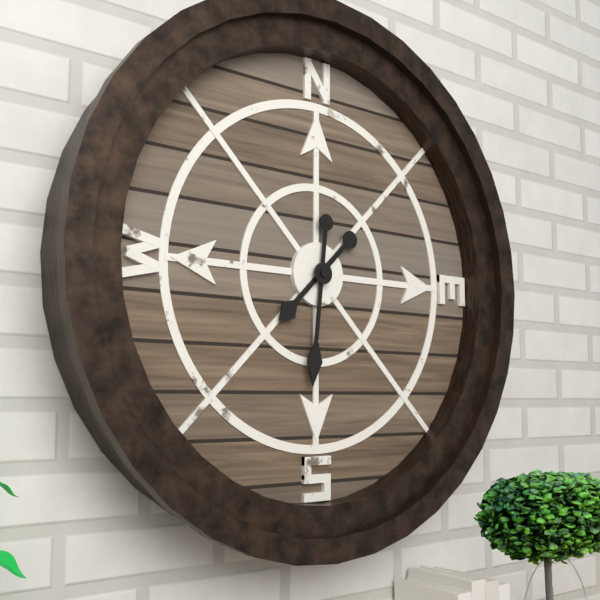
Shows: h=7 m=31
